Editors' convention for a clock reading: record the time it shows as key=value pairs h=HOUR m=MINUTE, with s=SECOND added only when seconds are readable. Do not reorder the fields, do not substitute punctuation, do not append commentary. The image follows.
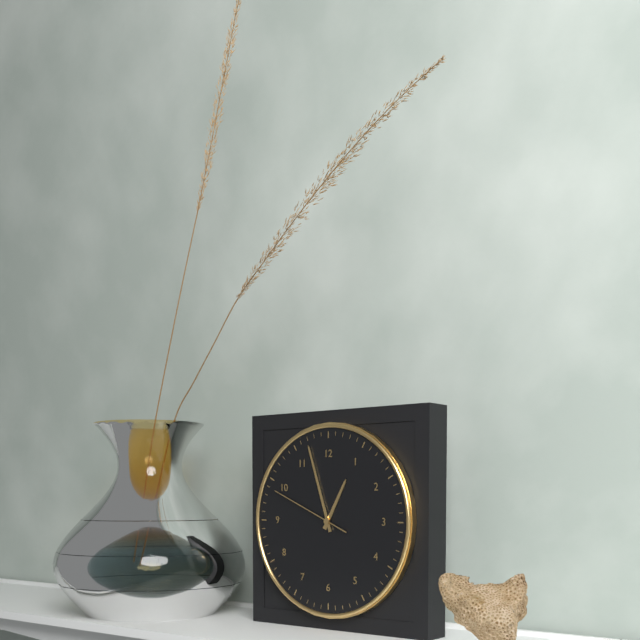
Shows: h=12 m=57 s=49
